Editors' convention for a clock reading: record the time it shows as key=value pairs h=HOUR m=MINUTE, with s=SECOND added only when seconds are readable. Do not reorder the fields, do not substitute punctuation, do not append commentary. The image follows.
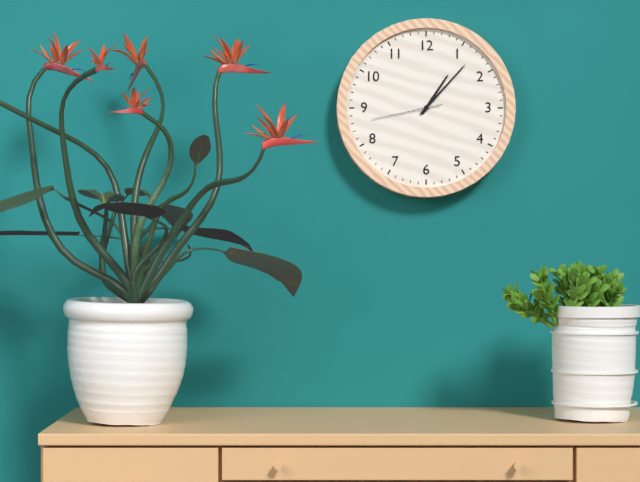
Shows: h=1 m=7 s=43
